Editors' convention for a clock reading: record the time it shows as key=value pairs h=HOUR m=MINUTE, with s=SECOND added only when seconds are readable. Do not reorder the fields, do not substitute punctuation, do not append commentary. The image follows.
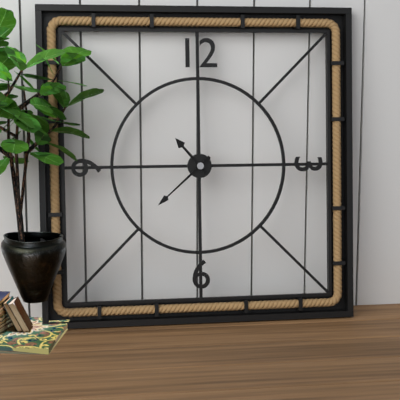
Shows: h=10 m=38
